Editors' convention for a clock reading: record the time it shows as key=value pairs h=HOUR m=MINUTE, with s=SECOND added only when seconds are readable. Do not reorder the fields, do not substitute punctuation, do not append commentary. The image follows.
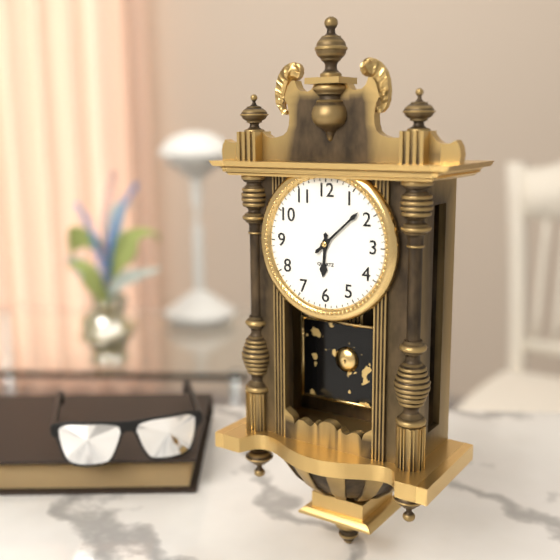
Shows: h=6 m=8
